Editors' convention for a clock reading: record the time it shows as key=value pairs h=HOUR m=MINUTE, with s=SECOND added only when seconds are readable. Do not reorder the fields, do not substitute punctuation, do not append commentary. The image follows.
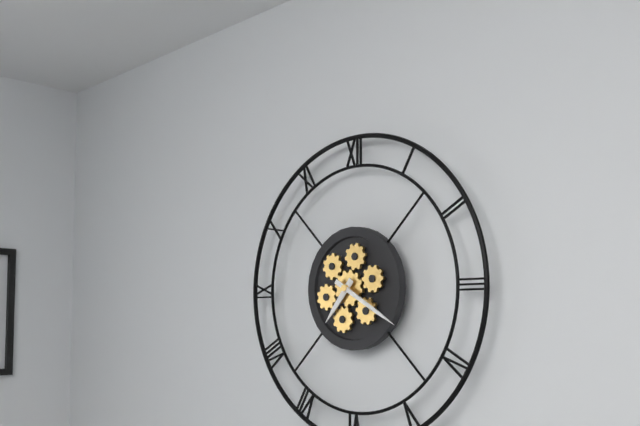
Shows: h=7 m=20
